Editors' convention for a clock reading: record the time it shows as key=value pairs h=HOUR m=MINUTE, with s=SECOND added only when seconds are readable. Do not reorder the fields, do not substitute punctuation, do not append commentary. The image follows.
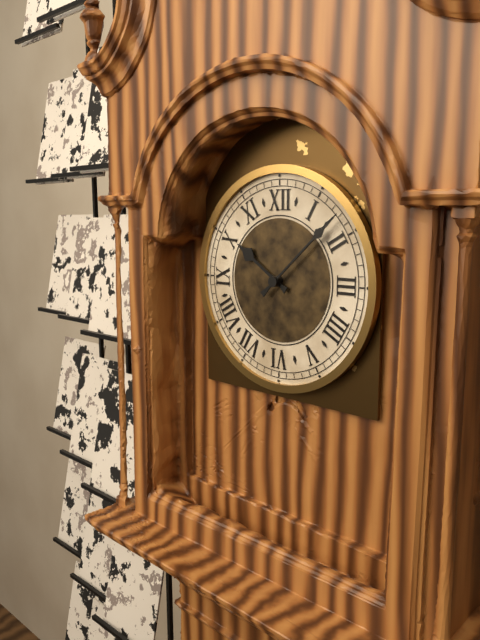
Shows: h=10 m=8
